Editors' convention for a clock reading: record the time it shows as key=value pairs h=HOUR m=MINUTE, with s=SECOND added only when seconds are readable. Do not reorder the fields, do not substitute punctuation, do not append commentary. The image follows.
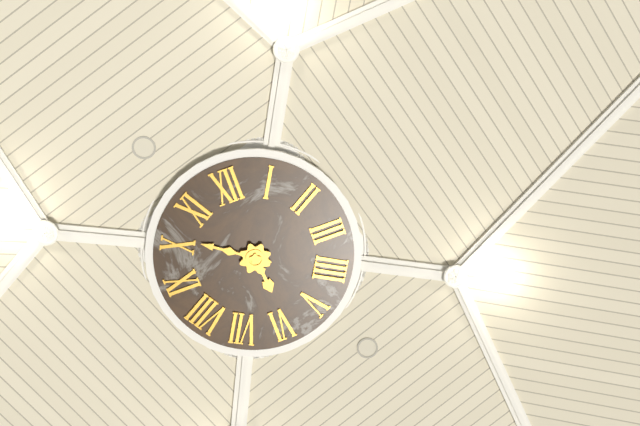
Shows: h=5 m=51
